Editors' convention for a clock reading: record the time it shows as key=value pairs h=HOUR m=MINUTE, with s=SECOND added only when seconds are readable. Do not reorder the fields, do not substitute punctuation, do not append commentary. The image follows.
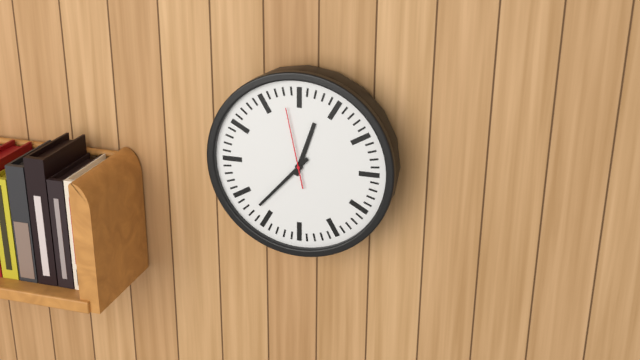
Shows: h=12 m=37 s=58
